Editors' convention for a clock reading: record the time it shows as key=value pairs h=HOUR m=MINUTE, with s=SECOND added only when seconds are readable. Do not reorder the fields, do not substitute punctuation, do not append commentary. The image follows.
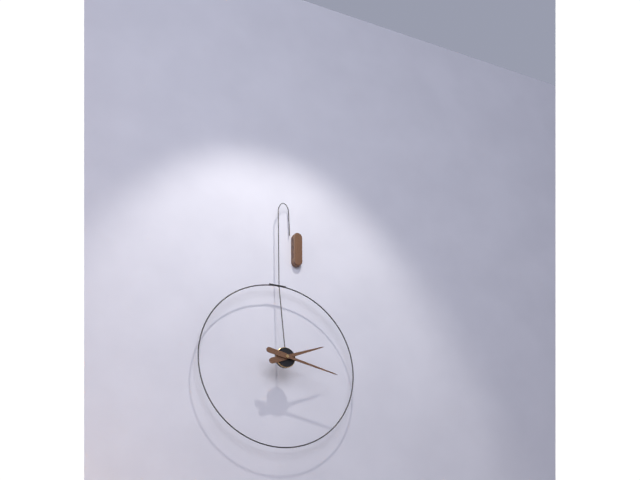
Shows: h=2 m=17
